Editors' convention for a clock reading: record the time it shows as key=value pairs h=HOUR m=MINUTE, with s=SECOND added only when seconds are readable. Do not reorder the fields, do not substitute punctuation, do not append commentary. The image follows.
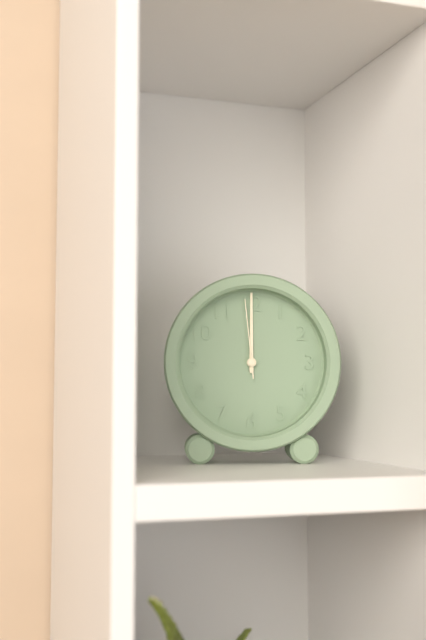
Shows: h=12 m=0 s=59
